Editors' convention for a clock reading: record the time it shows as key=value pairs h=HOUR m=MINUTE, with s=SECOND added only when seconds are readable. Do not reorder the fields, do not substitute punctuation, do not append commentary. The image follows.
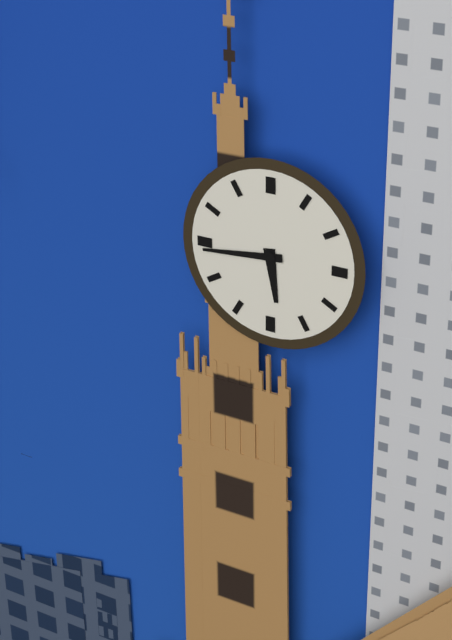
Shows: h=5 m=44
